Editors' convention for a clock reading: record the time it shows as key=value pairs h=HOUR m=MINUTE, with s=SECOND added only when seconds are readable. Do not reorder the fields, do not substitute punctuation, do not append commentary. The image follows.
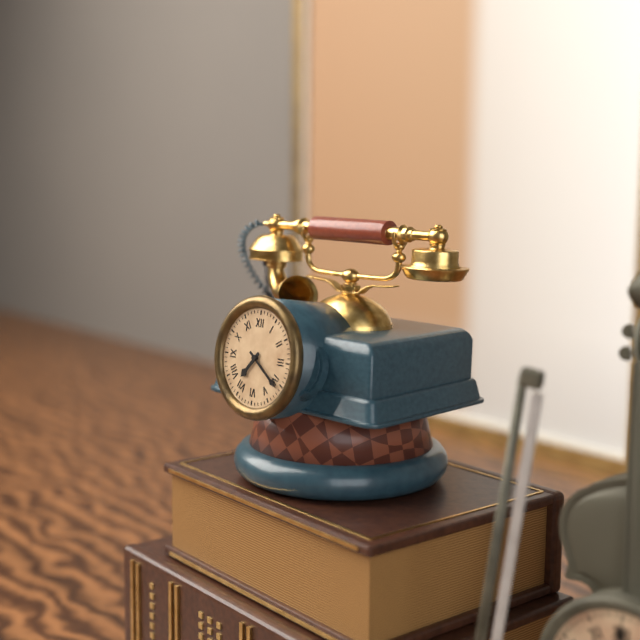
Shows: h=7 m=21
